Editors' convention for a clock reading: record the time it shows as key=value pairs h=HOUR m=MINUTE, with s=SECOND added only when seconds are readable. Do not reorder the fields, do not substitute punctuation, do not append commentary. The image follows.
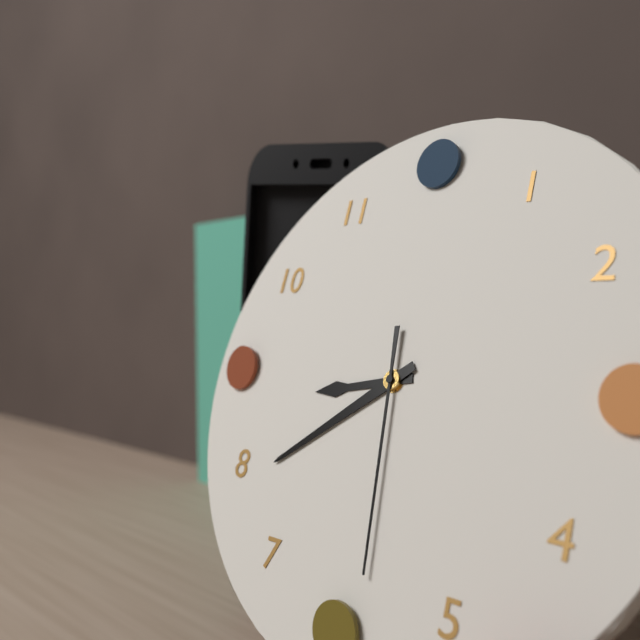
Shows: h=8 m=39 s=29
